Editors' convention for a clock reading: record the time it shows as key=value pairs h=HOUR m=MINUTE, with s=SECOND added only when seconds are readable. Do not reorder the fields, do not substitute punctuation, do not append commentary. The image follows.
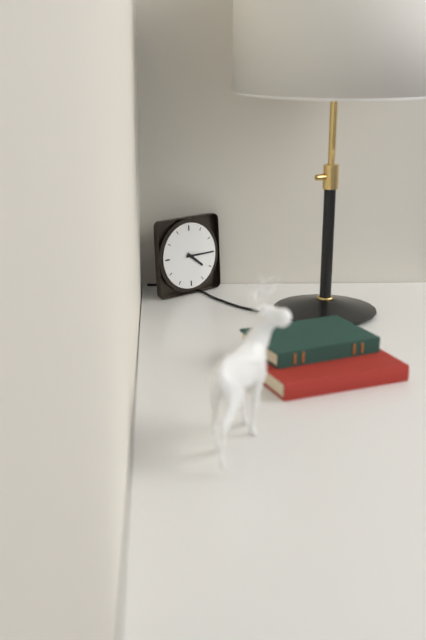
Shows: h=4 m=15
